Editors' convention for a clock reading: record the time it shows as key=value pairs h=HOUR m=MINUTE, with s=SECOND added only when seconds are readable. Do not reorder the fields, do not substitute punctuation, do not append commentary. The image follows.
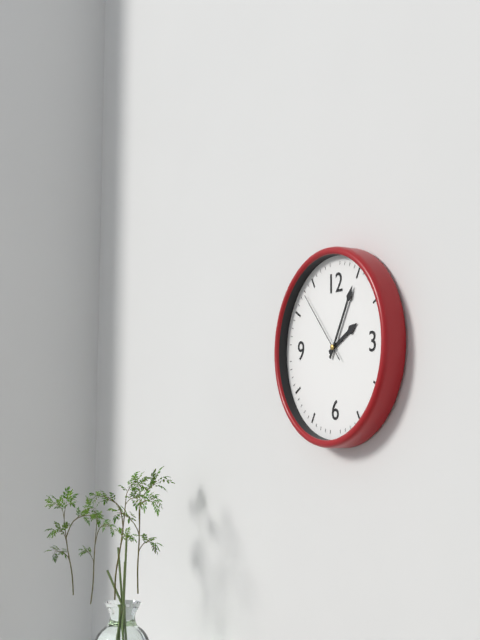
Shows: h=2 m=5 s=53
